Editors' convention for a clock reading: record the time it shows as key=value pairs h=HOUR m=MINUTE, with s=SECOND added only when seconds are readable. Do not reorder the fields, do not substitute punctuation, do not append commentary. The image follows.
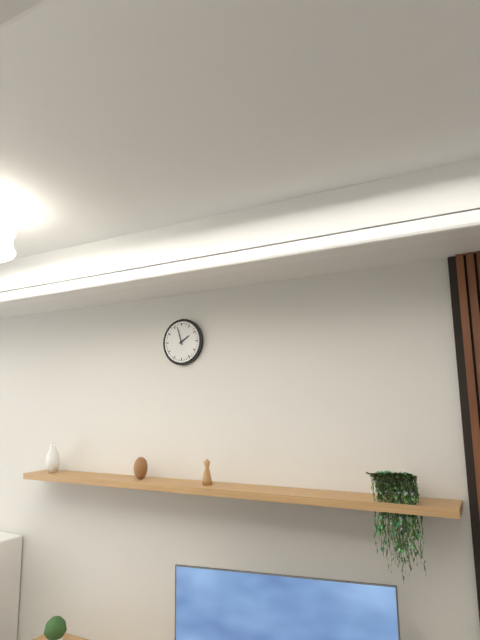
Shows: h=1 m=57
